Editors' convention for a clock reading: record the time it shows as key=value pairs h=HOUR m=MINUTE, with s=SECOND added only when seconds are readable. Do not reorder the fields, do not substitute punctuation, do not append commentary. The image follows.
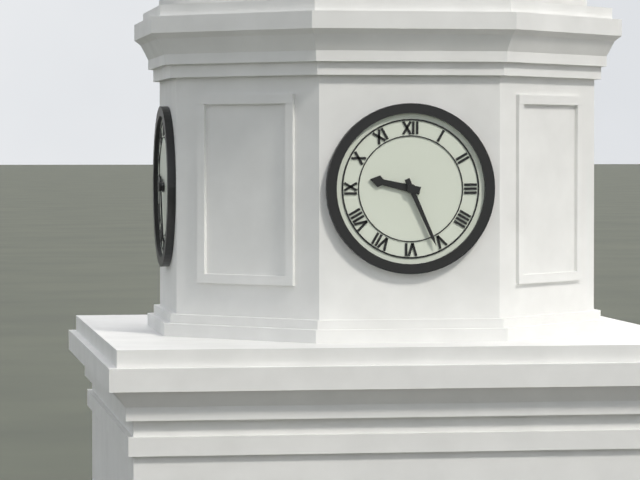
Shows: h=9 m=26
